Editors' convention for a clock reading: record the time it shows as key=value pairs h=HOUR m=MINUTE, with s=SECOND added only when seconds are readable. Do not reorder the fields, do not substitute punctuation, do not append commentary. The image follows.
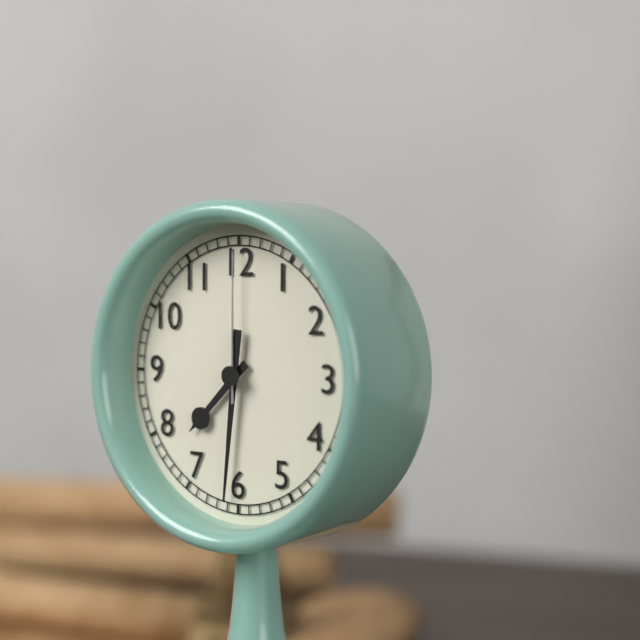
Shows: h=7 m=31 s=0
